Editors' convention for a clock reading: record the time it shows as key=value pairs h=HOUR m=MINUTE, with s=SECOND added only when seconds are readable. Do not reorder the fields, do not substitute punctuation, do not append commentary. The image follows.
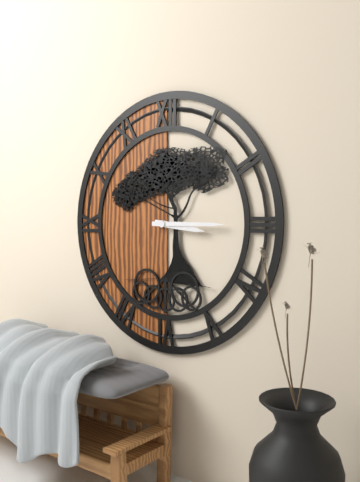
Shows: h=3 m=15
